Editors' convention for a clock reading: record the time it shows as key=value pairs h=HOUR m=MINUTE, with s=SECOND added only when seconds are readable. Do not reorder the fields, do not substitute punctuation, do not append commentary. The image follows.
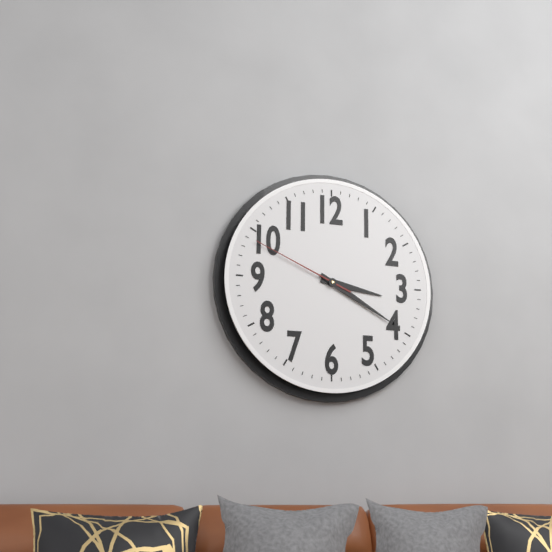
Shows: h=3 m=20 s=49
